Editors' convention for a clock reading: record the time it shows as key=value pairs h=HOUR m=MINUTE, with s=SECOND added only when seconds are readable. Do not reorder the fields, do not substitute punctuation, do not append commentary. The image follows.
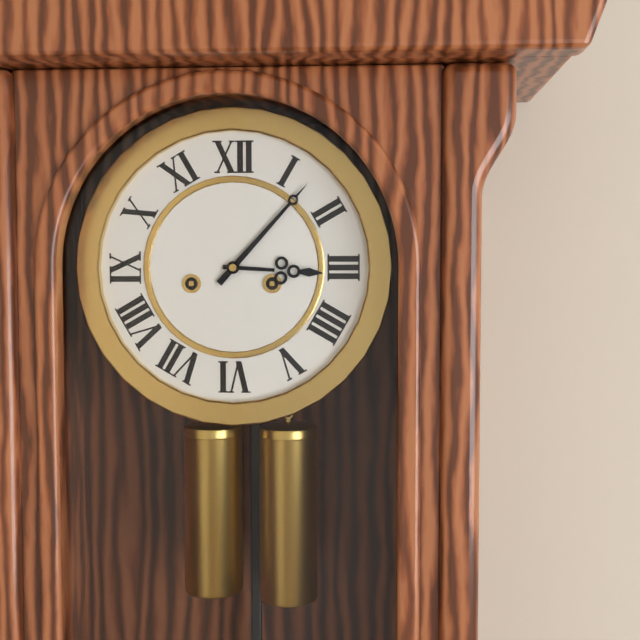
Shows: h=3 m=7
